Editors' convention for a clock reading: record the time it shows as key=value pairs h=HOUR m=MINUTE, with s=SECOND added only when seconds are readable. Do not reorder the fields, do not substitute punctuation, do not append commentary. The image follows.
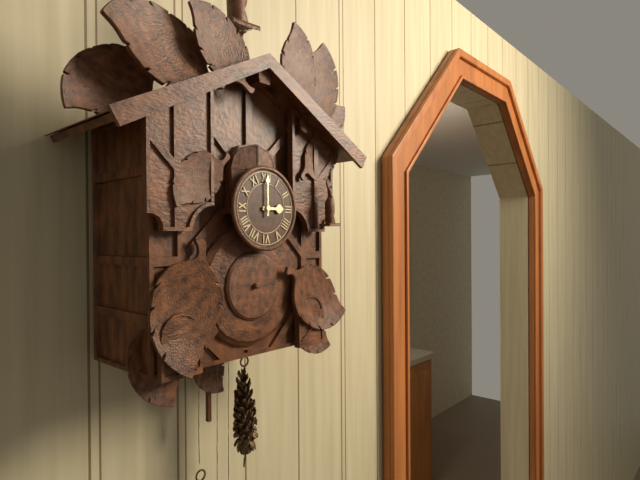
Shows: h=3 m=0
